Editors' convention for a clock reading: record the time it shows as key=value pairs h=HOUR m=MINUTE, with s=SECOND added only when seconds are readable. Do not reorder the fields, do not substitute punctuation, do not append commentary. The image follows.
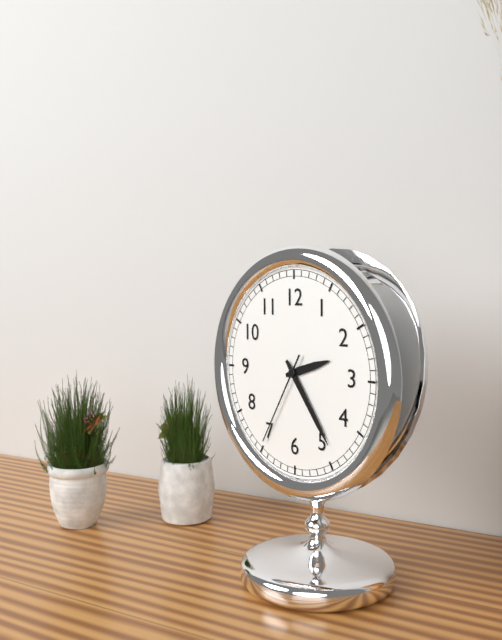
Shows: h=2 m=24 s=35
